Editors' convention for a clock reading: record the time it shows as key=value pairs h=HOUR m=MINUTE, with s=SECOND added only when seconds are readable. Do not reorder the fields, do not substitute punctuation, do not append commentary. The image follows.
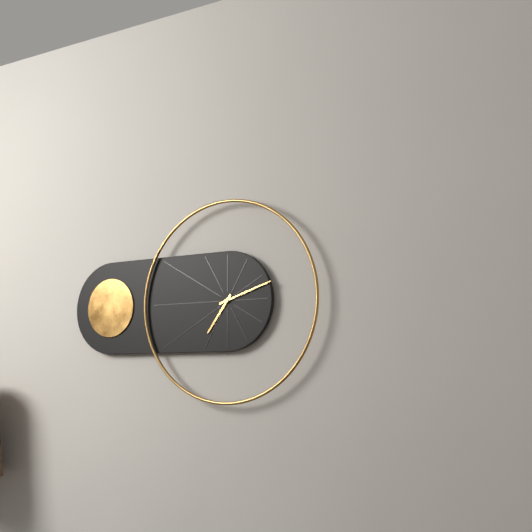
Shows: h=7 m=12
